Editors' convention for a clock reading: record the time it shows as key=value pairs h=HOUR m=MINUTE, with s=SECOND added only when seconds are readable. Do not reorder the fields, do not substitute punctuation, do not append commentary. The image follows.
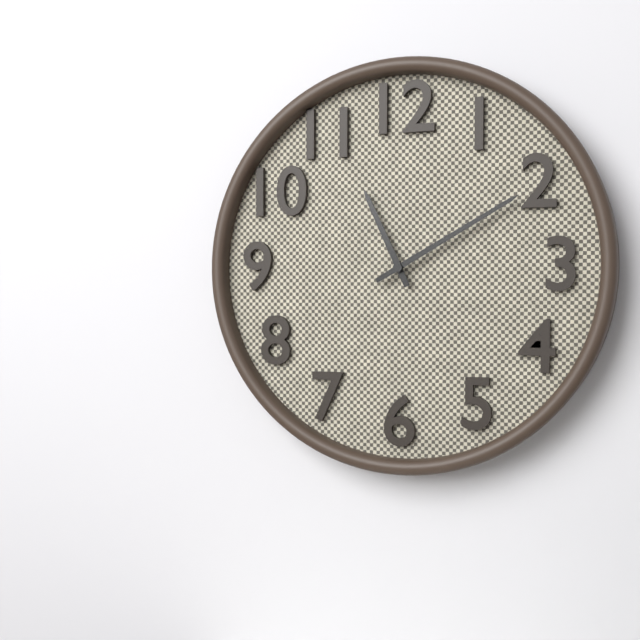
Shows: h=11 m=10
